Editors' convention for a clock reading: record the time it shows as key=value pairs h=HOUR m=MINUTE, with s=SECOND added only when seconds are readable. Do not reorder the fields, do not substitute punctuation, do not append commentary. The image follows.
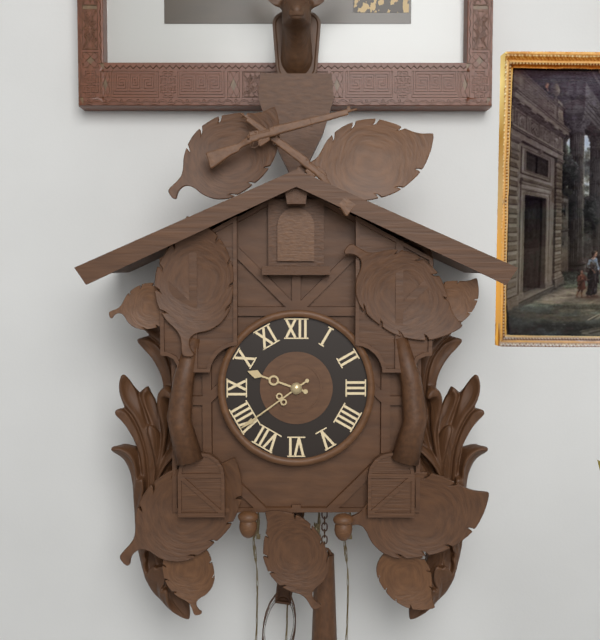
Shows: h=9 m=39
